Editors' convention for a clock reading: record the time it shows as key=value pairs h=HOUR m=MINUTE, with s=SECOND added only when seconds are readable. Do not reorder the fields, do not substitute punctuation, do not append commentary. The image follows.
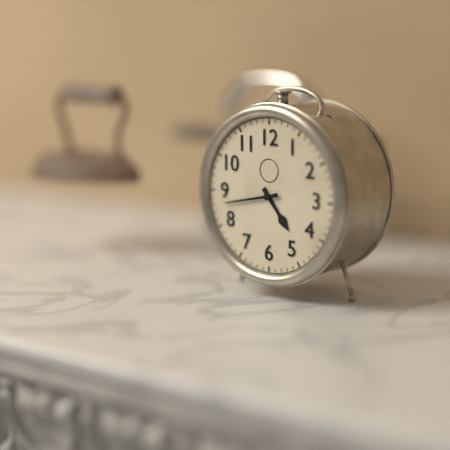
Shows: h=4 m=43
